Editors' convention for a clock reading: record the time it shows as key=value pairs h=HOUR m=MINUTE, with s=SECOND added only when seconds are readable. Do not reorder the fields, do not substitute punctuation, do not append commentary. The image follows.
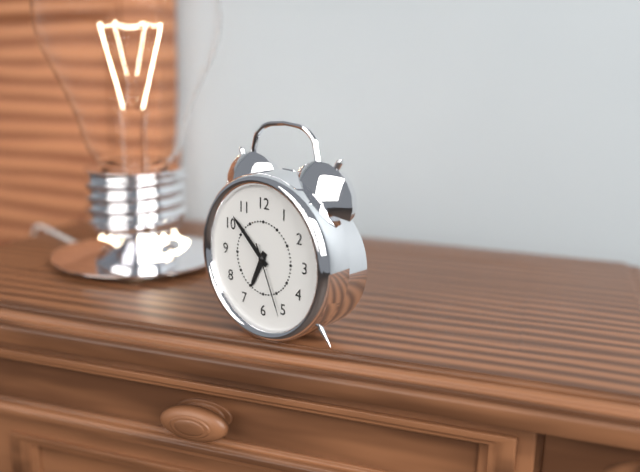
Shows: h=6 m=52 s=26
